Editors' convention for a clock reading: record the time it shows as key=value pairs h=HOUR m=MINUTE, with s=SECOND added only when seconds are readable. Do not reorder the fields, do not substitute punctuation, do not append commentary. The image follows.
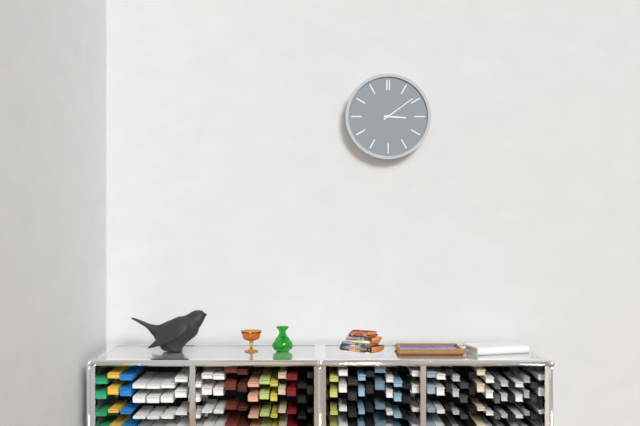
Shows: h=3 m=9
